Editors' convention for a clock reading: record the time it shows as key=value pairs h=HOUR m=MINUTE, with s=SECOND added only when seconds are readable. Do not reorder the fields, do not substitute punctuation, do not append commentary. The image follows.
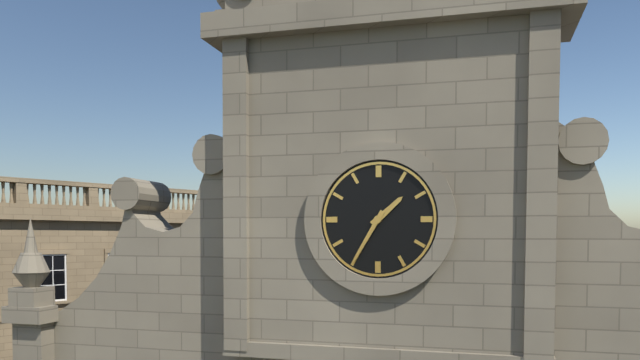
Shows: h=1 m=35
